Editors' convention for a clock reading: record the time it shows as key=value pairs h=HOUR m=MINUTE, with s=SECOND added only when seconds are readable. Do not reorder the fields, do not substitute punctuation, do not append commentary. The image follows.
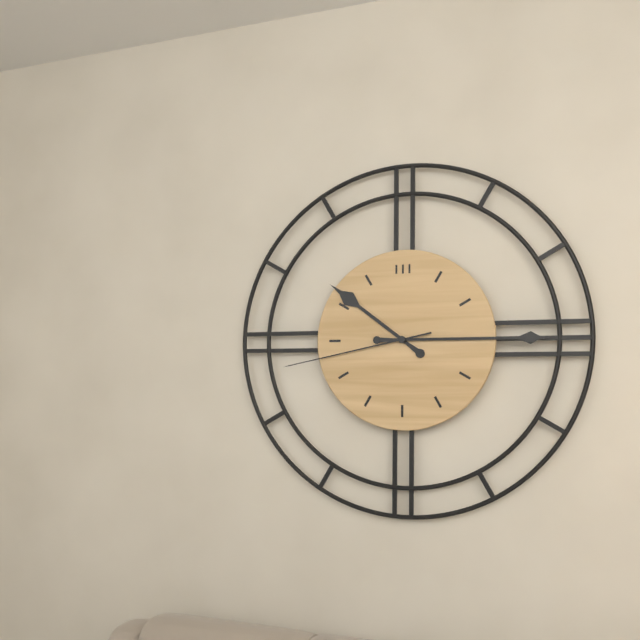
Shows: h=10 m=15 s=43
